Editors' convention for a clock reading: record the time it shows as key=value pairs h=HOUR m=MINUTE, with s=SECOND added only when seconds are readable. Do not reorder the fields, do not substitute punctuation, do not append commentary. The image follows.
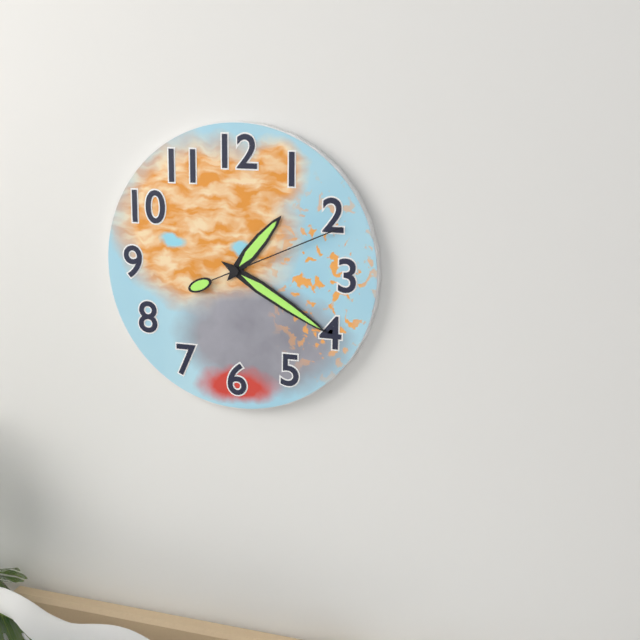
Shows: h=1 m=20 s=11
